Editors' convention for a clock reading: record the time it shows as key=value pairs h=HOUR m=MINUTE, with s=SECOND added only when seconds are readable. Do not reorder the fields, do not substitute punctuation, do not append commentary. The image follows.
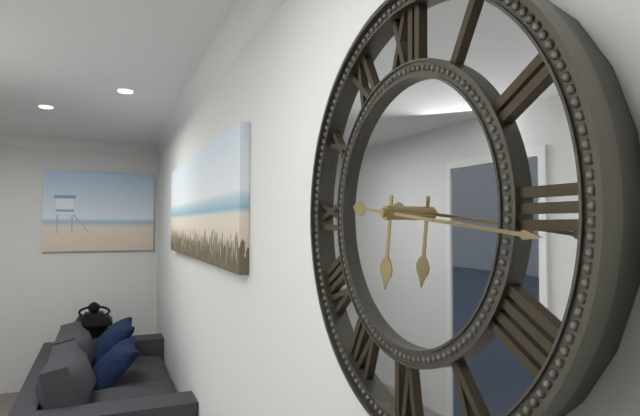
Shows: h=6 m=16
